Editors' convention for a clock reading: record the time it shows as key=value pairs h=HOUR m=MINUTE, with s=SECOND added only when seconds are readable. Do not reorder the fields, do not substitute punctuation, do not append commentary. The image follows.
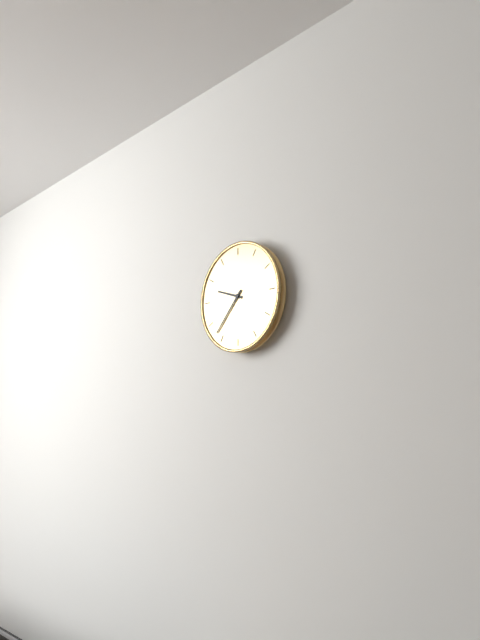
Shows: h=9 m=37
